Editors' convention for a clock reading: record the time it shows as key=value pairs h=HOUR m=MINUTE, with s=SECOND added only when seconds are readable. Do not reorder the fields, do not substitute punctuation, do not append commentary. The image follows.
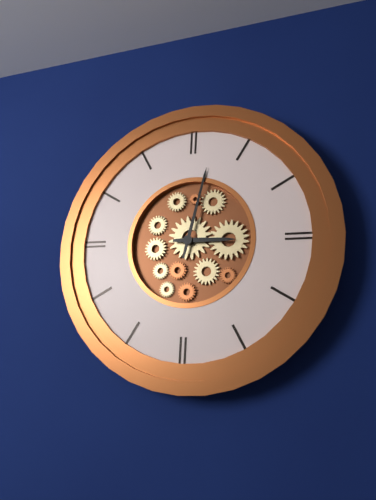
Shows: h=3 m=2
